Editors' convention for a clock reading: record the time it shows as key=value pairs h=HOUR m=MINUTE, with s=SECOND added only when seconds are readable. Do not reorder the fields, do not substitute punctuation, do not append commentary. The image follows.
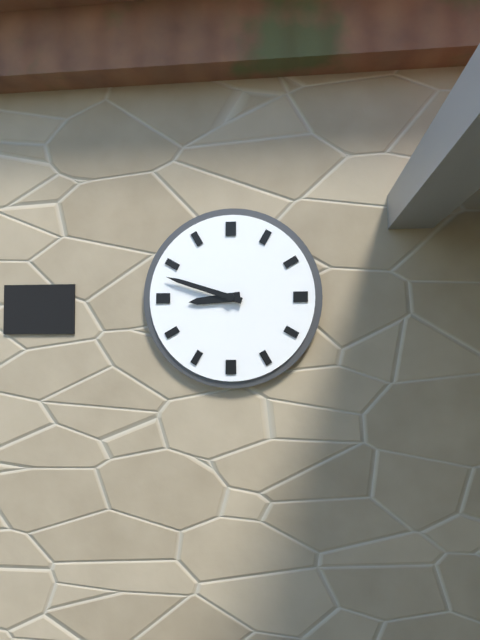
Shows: h=8 m=48
